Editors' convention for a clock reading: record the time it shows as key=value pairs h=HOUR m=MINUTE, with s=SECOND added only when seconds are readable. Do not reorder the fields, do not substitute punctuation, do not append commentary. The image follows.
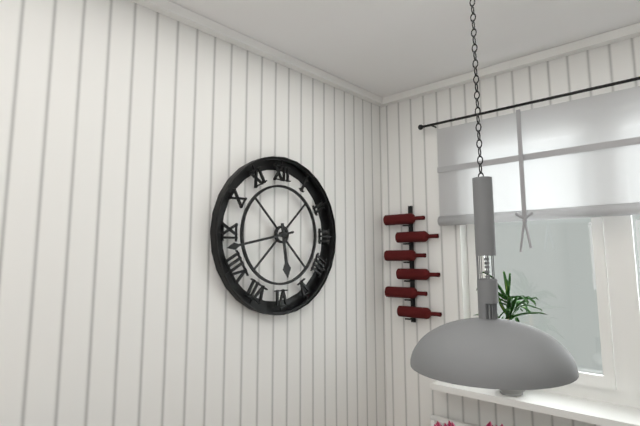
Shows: h=5 m=43
